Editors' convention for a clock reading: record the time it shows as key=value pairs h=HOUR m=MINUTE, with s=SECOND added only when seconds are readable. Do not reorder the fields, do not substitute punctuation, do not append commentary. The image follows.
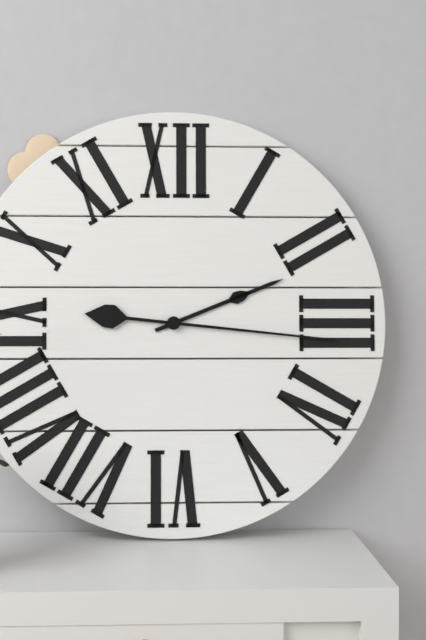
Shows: h=2 m=16
